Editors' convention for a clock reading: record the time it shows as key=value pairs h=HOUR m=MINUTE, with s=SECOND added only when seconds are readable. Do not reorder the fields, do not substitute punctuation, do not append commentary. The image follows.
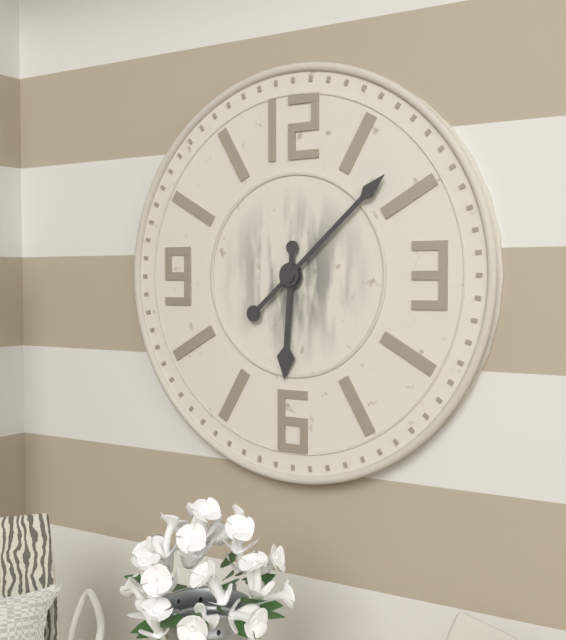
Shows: h=6 m=8
